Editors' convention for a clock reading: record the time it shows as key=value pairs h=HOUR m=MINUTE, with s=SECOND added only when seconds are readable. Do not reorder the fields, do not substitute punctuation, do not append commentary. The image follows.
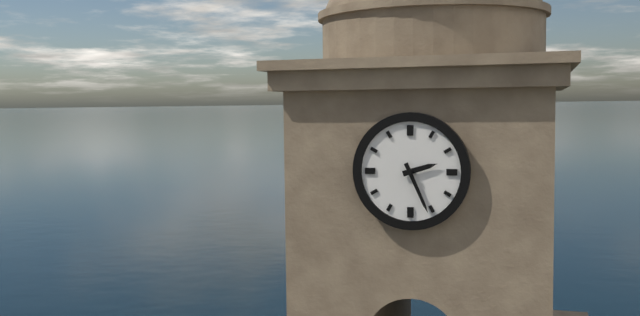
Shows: h=2 m=26
